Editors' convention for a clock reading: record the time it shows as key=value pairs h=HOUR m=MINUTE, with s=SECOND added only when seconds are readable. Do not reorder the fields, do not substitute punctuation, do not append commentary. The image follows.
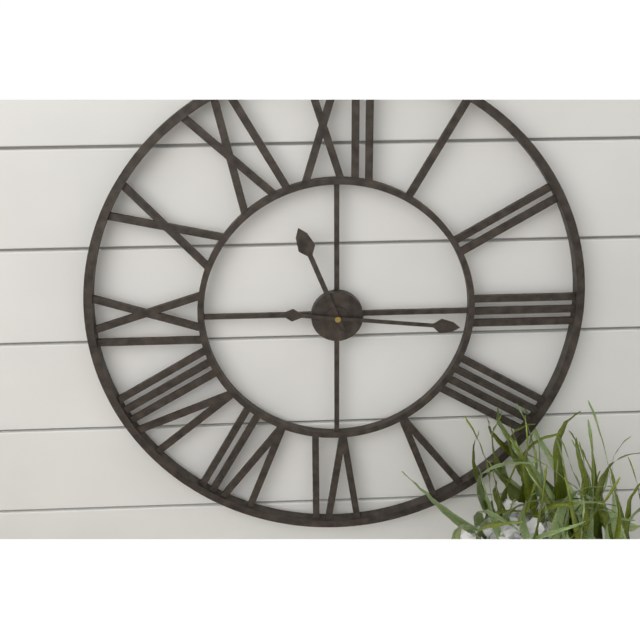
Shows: h=11 m=16
